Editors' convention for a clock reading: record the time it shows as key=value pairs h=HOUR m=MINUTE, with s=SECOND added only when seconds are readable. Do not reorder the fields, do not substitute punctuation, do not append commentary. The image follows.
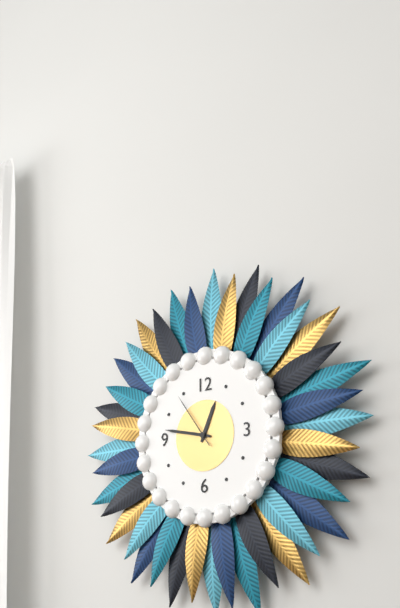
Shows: h=12 m=47 s=54
